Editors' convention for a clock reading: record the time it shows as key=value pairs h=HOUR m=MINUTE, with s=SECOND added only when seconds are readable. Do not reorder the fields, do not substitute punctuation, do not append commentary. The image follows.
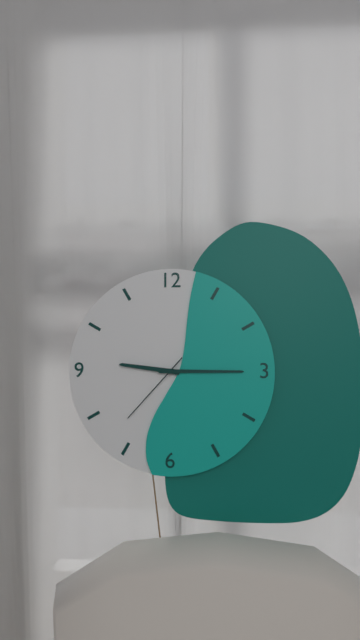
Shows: h=9 m=15 s=37
